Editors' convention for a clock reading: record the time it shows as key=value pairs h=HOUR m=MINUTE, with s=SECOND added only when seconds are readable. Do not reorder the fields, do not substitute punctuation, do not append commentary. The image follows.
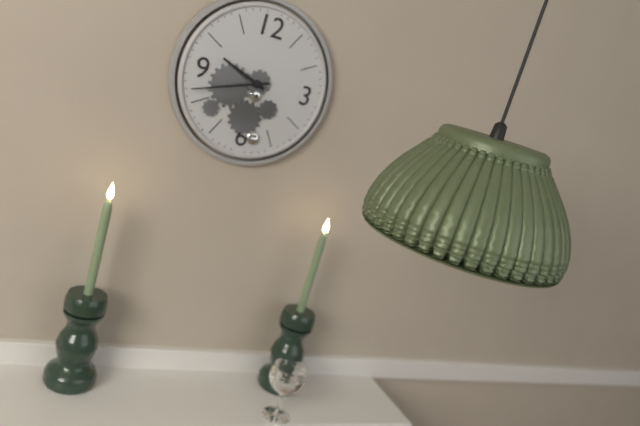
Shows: h=9 m=42
